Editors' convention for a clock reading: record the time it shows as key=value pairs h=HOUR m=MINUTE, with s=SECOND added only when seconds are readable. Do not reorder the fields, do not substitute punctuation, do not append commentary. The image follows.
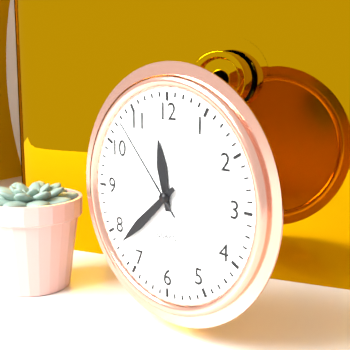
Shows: h=11 m=38 s=53
